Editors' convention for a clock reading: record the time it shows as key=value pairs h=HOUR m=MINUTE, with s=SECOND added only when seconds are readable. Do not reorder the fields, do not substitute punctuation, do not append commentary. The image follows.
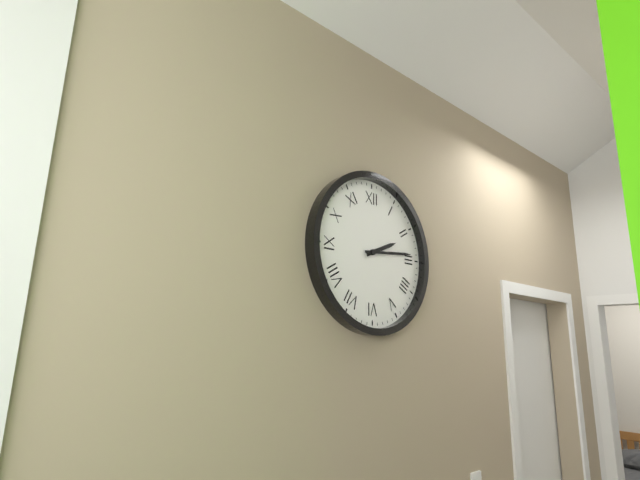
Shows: h=2 m=14
